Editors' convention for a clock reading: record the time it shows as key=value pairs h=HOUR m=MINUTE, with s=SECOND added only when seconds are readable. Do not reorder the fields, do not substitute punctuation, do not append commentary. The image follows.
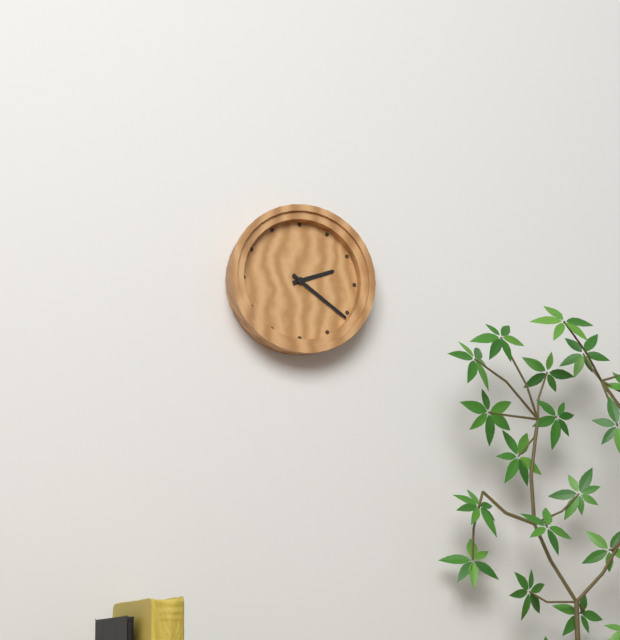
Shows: h=2 m=21
